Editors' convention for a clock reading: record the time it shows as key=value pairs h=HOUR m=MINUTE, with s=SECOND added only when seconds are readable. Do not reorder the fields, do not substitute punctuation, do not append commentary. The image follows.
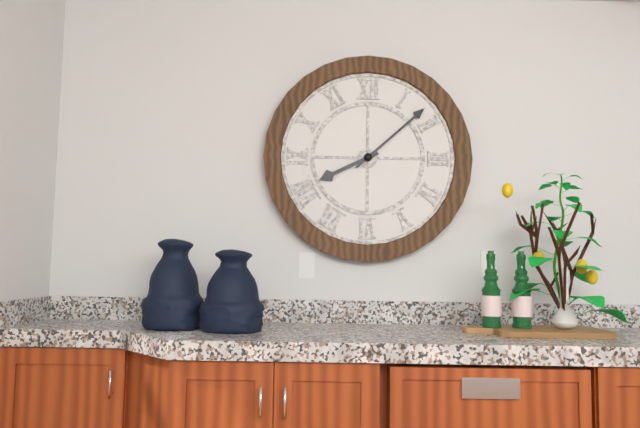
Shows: h=8 m=8
